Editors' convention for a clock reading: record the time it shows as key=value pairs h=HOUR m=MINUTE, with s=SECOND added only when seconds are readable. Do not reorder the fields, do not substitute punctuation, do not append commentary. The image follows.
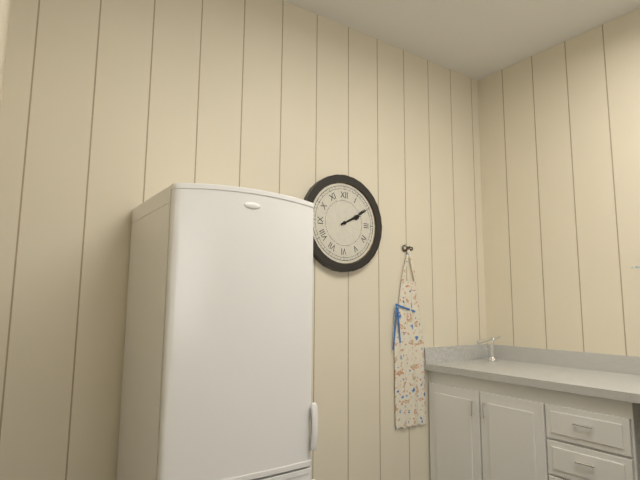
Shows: h=2 m=10
